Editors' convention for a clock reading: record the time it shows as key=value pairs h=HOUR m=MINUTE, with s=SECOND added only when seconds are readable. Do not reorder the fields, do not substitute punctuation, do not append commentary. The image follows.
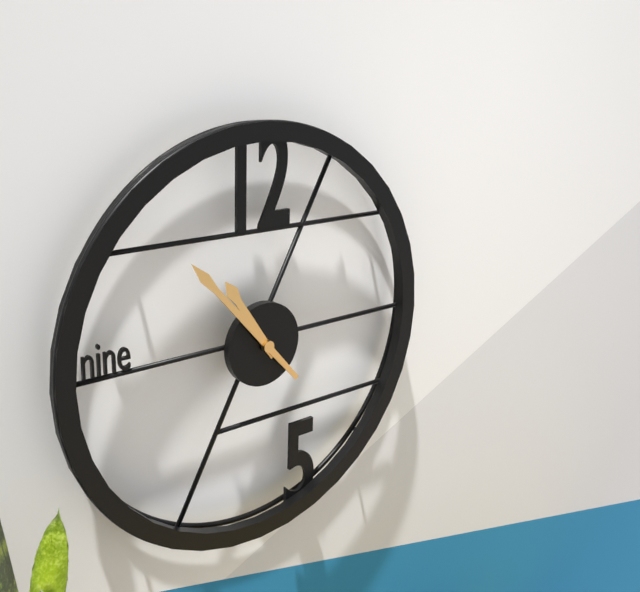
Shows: h=10 m=53
